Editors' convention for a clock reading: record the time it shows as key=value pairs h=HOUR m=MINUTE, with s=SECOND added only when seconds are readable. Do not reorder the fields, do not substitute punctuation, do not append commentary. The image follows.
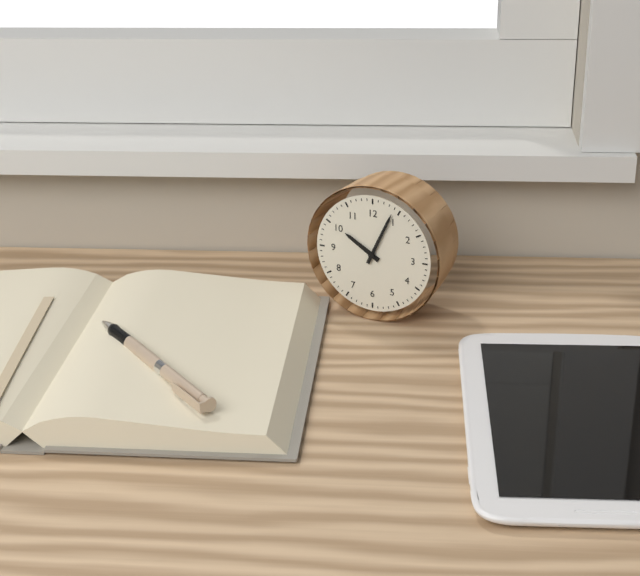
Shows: h=10 m=4
